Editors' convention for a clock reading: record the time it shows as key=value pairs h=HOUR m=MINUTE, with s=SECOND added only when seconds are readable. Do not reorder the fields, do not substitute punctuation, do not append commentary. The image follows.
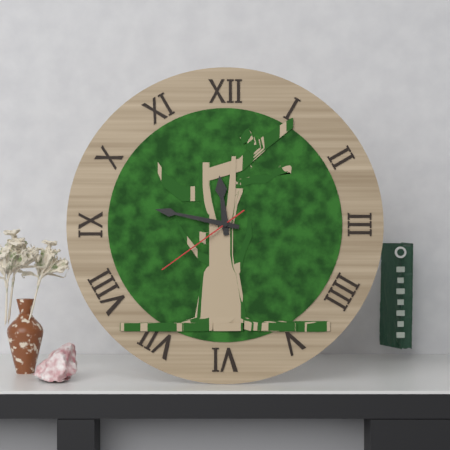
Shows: h=11 m=47 s=39
